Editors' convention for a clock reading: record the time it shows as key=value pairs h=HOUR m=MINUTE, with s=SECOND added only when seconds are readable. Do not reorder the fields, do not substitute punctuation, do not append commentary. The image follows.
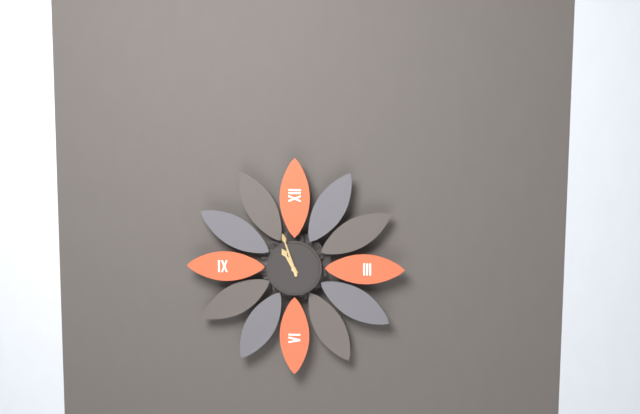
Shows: h=10 m=57
